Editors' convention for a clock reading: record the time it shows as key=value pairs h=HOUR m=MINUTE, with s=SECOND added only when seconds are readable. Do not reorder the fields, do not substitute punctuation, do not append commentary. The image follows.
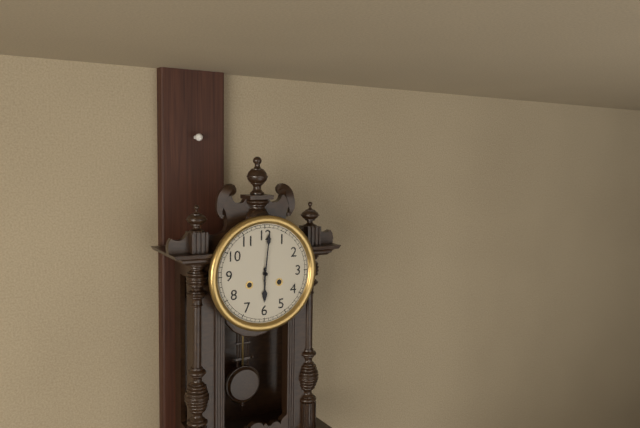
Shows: h=6 m=1
